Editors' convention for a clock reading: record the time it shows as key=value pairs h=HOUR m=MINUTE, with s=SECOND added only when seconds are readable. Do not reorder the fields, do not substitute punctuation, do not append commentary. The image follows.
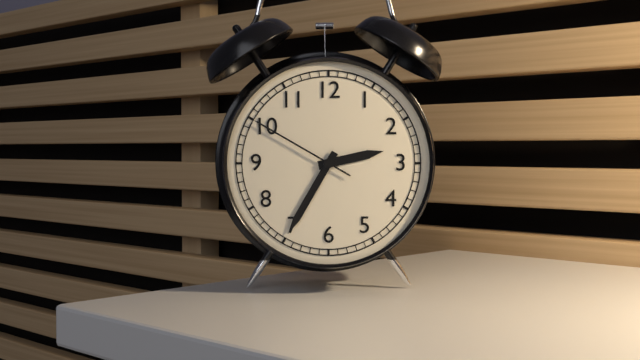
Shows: h=2 m=35 s=50
